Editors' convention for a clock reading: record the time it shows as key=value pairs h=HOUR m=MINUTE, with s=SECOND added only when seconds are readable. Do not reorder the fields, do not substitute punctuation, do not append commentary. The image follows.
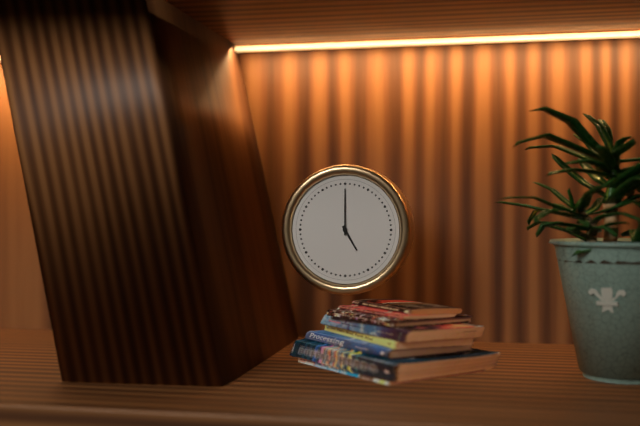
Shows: h=5 m=0
